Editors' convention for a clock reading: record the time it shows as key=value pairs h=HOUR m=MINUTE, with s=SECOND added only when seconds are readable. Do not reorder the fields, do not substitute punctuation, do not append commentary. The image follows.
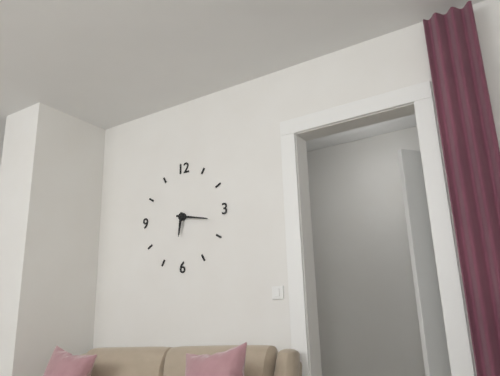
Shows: h=6 m=17
